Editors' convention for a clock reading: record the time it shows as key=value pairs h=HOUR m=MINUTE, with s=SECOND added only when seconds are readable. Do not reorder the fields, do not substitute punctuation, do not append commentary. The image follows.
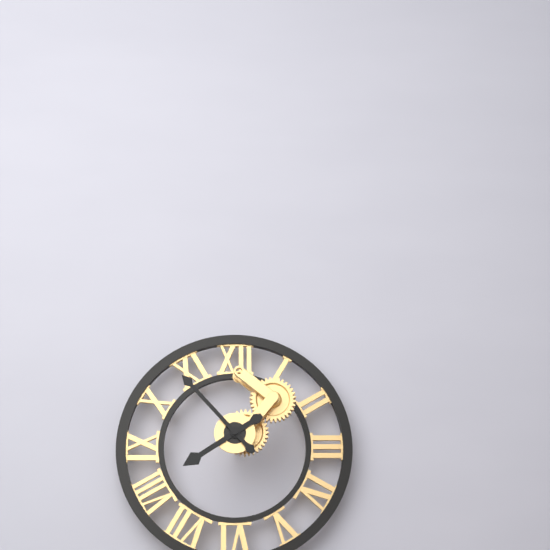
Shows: h=7 m=53
